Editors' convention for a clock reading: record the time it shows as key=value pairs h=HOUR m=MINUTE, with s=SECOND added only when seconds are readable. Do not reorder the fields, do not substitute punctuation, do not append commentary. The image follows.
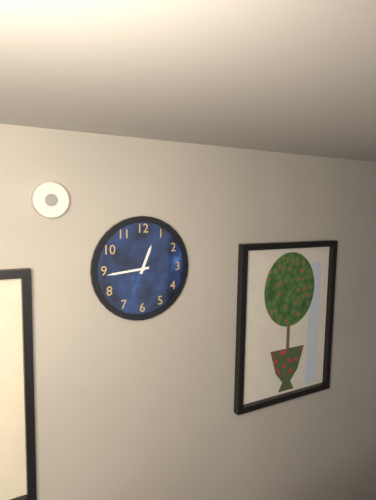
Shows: h=12 m=44
